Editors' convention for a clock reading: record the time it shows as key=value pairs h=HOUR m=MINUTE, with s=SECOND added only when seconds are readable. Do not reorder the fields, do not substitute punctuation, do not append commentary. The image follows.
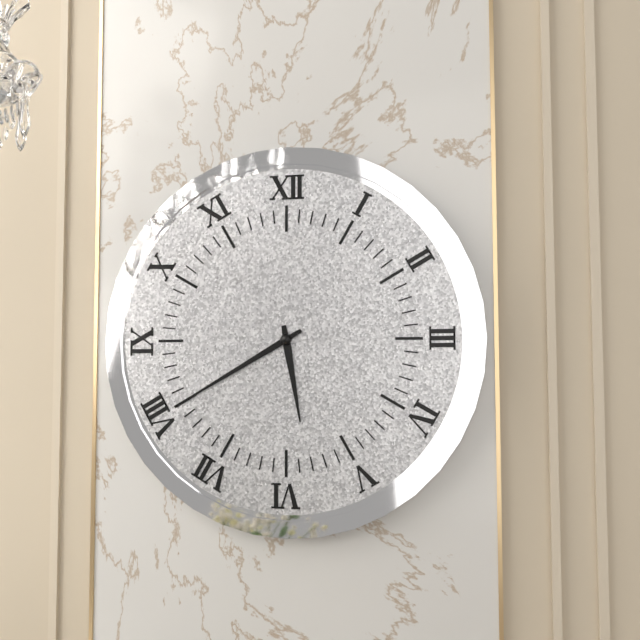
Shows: h=5 m=40
